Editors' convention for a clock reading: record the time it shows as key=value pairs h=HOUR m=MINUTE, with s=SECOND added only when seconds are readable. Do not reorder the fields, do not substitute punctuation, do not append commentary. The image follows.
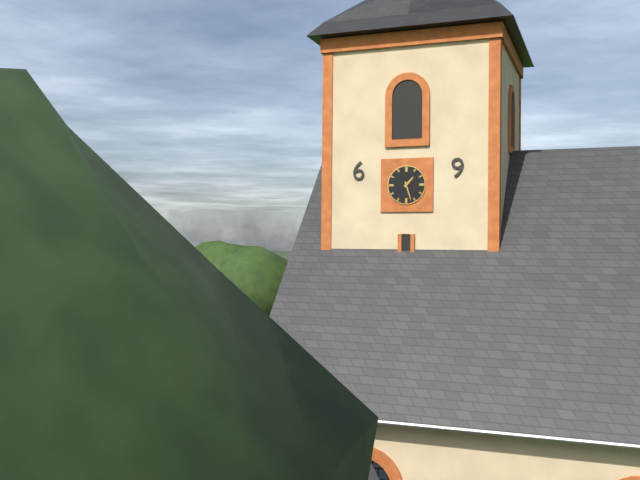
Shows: h=1 m=27
